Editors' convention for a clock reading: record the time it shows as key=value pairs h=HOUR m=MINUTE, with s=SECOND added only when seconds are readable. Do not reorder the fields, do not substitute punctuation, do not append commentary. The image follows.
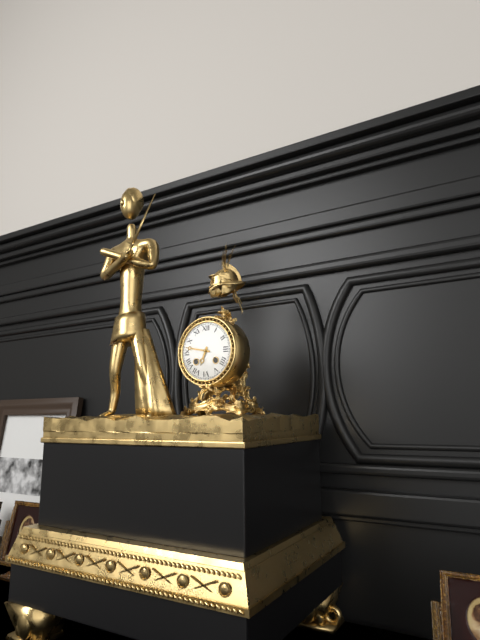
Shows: h=6 m=47
